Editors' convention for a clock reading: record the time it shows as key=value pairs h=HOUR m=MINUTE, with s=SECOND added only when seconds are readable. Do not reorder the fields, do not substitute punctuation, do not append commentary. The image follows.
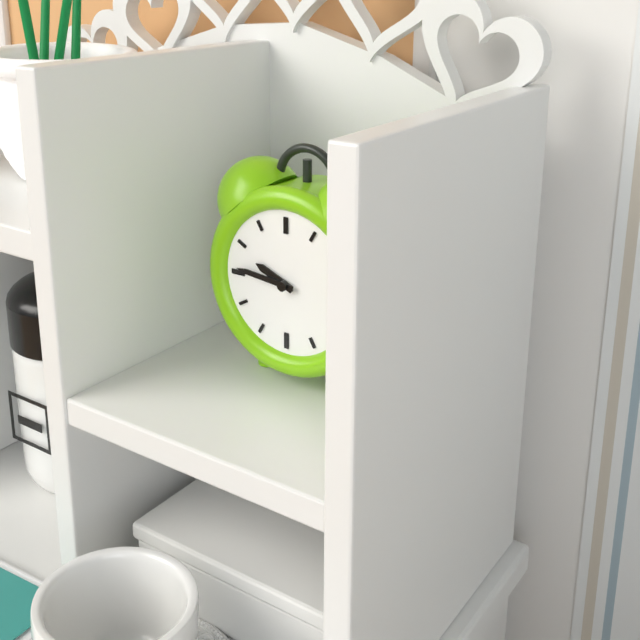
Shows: h=9 m=46
